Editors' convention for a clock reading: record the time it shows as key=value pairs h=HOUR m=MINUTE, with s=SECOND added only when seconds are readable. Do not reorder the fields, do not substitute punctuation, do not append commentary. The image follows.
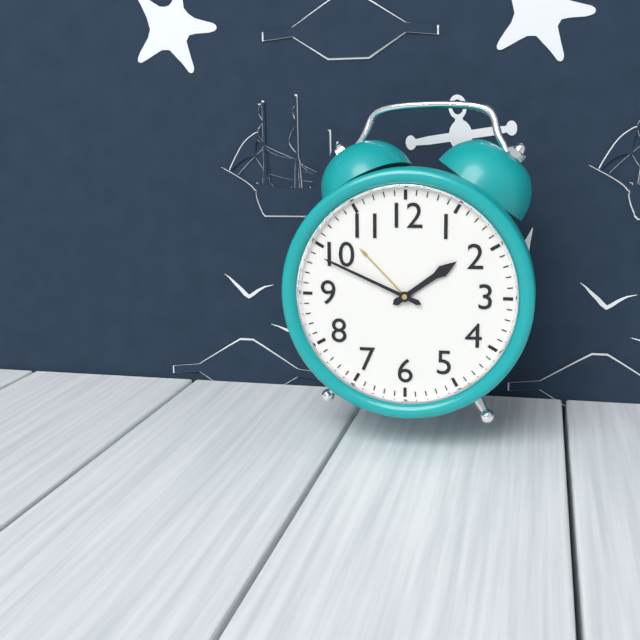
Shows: h=1 m=49
